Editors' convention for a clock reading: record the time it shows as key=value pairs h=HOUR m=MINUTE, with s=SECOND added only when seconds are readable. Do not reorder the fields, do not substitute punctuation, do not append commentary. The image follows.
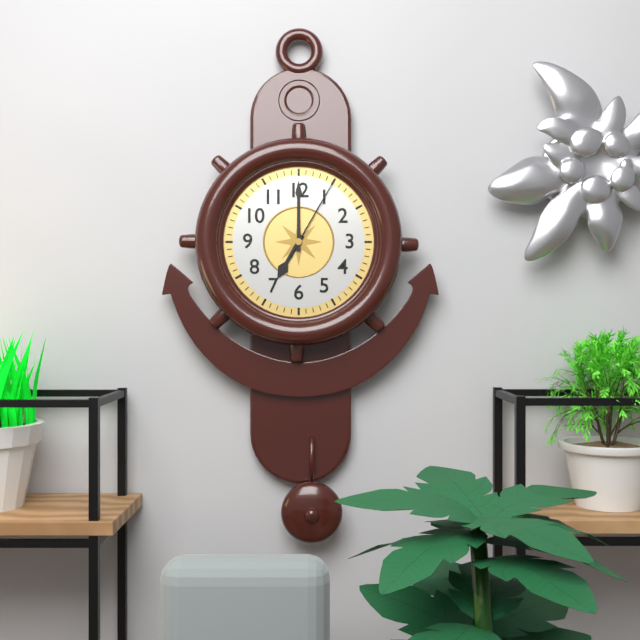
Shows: h=7 m=0 s=5
